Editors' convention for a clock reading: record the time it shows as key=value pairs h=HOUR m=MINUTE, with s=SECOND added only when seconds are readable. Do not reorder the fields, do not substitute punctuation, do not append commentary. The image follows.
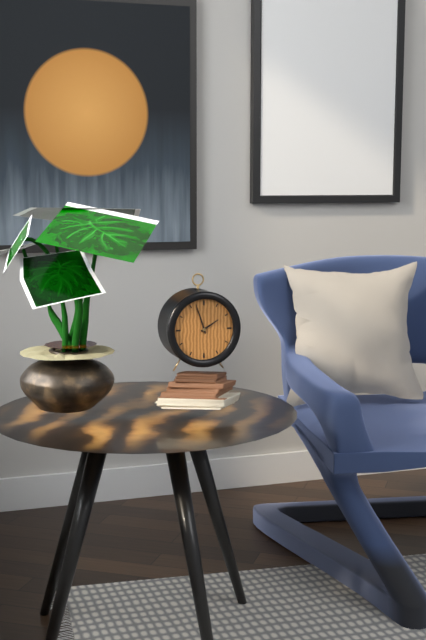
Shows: h=1 m=57
